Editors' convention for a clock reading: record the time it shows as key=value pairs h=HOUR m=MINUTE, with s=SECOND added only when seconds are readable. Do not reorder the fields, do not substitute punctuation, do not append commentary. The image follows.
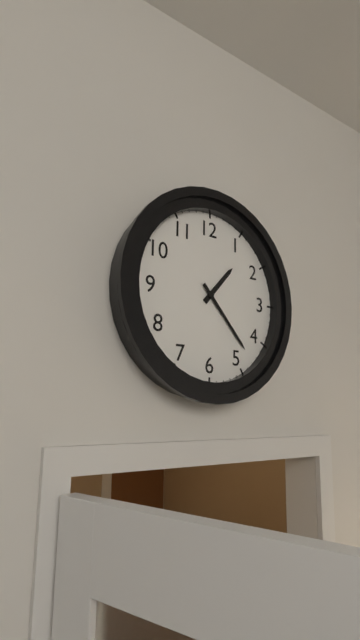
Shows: h=1 m=23
